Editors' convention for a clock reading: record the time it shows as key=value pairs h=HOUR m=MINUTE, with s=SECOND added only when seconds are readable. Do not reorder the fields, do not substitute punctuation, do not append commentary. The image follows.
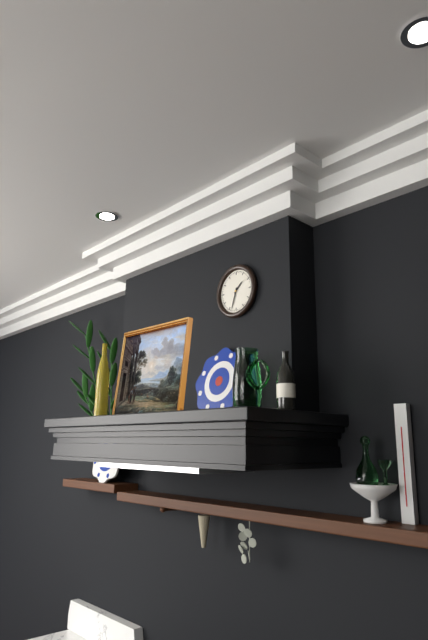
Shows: h=1 m=33
